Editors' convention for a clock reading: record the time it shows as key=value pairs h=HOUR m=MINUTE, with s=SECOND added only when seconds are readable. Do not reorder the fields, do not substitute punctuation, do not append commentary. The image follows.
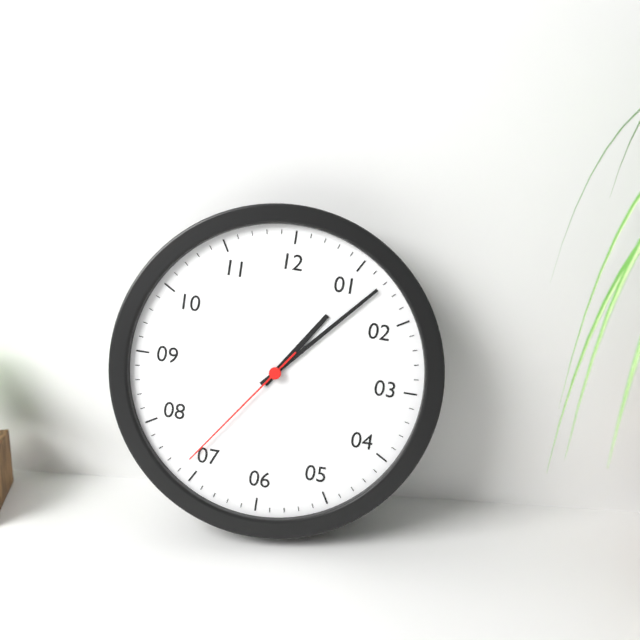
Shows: h=1 m=7 s=36
